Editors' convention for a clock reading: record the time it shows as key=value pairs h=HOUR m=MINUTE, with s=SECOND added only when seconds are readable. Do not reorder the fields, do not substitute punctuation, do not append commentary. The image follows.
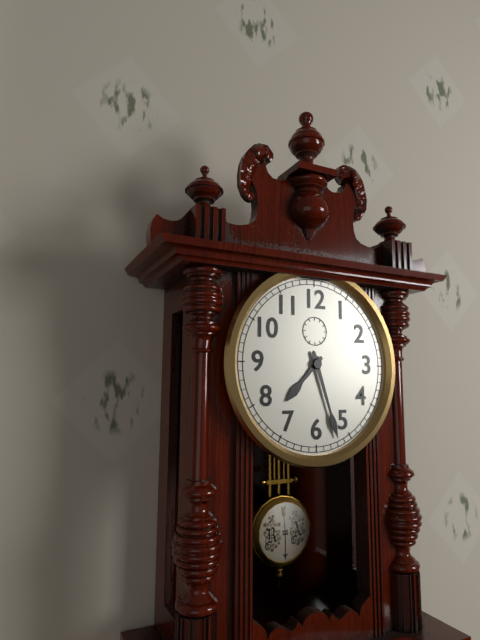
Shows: h=7 m=27
